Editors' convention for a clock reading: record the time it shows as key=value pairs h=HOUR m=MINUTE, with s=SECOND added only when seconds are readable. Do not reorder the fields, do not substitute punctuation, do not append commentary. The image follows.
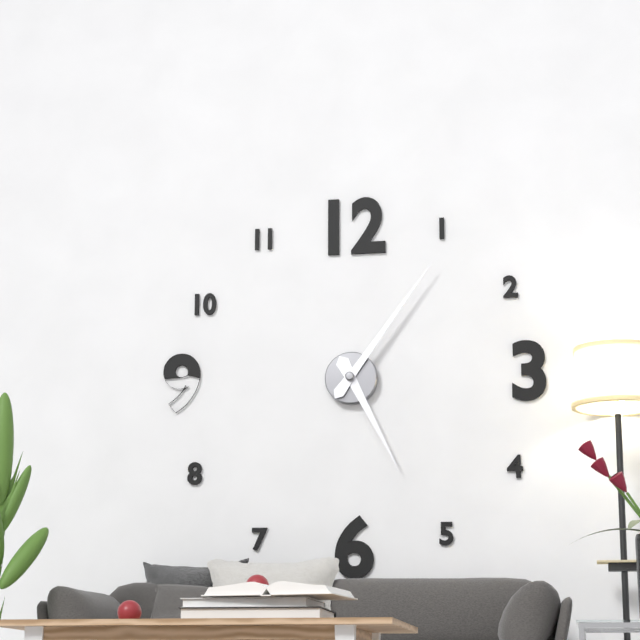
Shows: h=5 m=6
